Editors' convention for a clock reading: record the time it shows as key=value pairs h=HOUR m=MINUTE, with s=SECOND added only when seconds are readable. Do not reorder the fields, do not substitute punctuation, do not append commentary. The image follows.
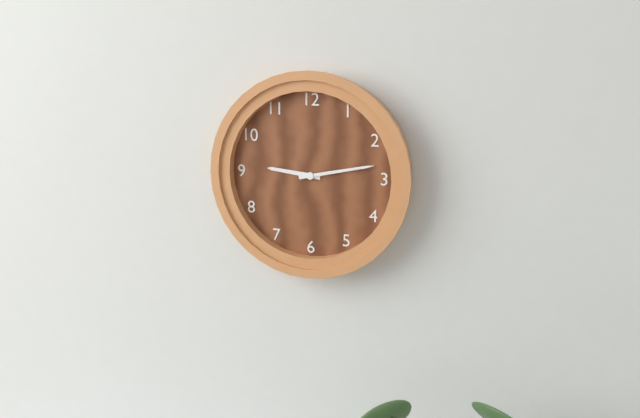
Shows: h=9 m=13
